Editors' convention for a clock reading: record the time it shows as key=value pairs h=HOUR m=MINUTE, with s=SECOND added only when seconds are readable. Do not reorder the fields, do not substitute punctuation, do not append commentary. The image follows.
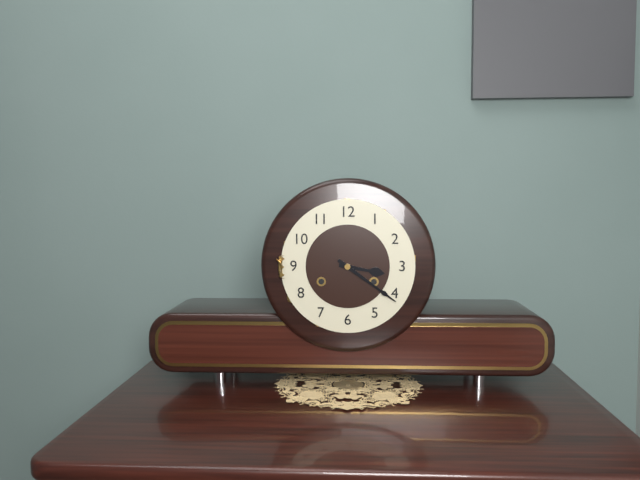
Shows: h=3 m=21
